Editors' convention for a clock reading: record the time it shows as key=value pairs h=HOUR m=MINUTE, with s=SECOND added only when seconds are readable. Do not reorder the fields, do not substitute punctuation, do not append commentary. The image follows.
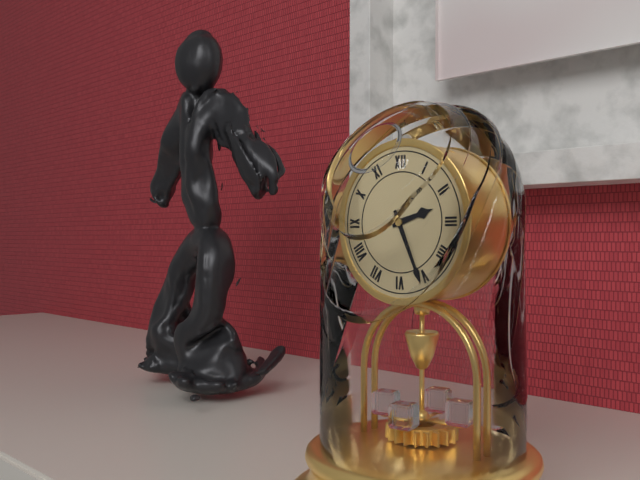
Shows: h=2 m=26
